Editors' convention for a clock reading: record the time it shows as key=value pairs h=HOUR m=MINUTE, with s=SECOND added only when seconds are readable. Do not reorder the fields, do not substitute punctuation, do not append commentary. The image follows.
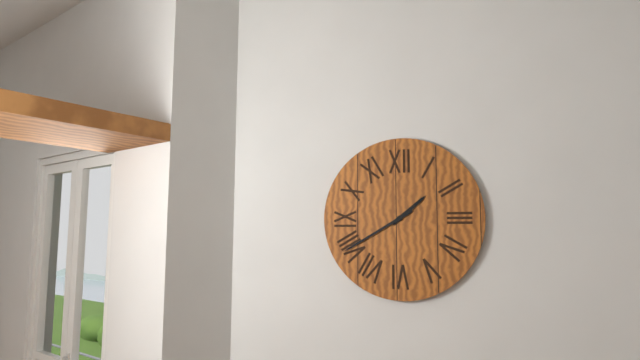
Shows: h=1 m=40
